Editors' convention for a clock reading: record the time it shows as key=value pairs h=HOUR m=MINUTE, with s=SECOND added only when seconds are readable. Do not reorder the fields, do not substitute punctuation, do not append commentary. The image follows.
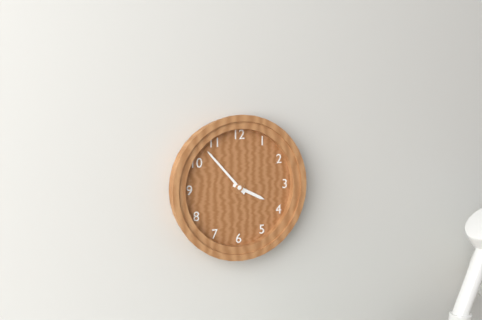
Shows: h=3 m=53
